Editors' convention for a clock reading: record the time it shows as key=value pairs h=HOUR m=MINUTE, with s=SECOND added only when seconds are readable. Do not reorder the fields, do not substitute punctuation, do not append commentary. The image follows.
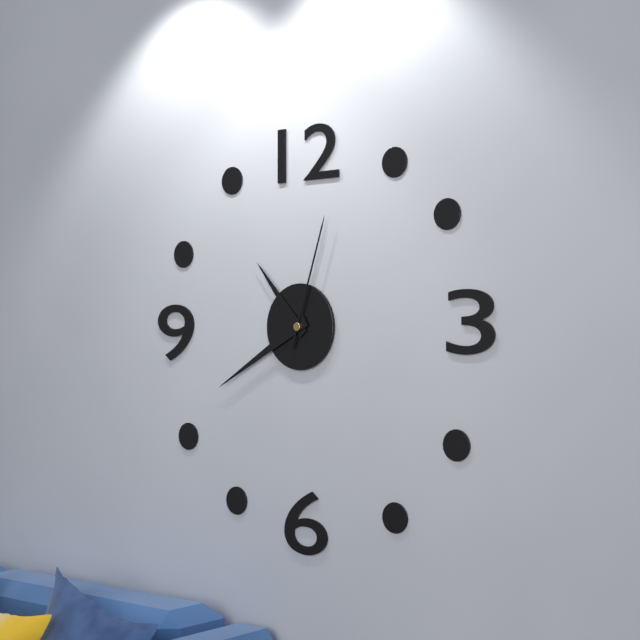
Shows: h=10 m=40 s=3
